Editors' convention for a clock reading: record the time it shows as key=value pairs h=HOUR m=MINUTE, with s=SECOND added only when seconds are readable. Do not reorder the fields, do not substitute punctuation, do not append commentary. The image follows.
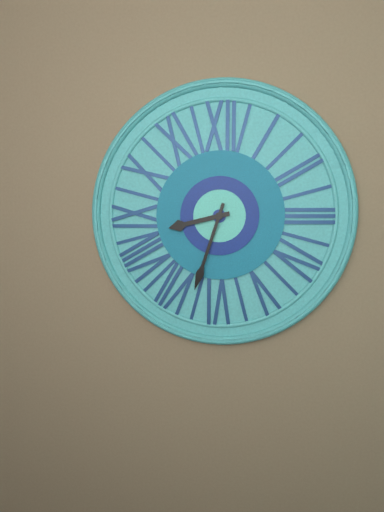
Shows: h=8 m=33
